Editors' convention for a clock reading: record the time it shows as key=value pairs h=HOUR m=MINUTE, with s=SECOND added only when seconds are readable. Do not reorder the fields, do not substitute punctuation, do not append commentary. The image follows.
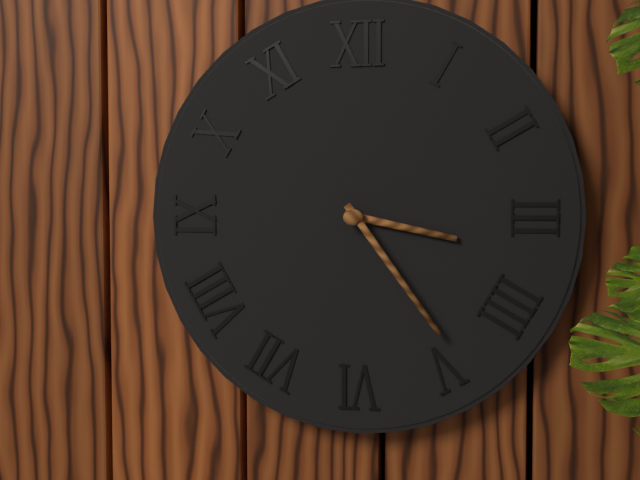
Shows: h=3 m=24
